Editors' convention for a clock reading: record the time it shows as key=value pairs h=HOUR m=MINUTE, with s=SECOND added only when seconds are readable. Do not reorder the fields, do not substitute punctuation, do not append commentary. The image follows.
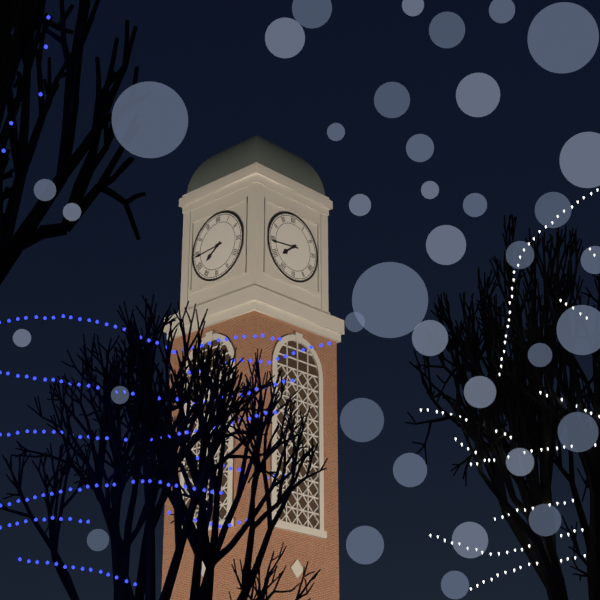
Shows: h=7 m=44
